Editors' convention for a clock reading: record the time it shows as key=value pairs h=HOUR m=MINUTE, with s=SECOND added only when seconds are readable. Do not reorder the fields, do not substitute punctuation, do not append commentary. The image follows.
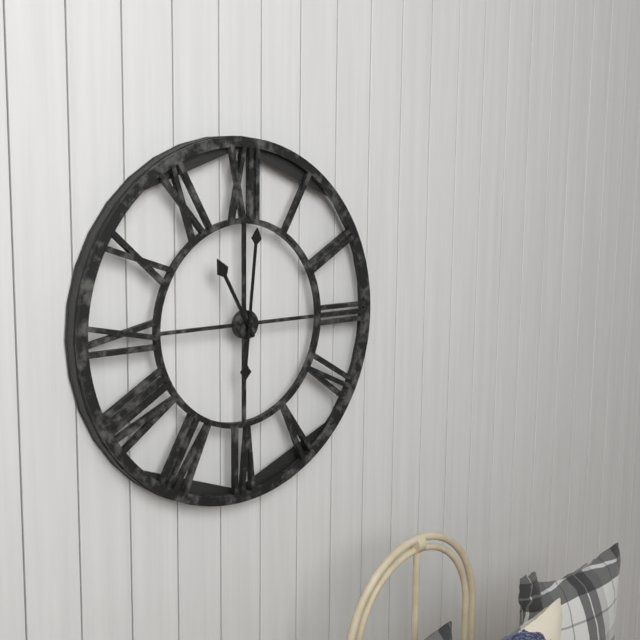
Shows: h=11 m=1
